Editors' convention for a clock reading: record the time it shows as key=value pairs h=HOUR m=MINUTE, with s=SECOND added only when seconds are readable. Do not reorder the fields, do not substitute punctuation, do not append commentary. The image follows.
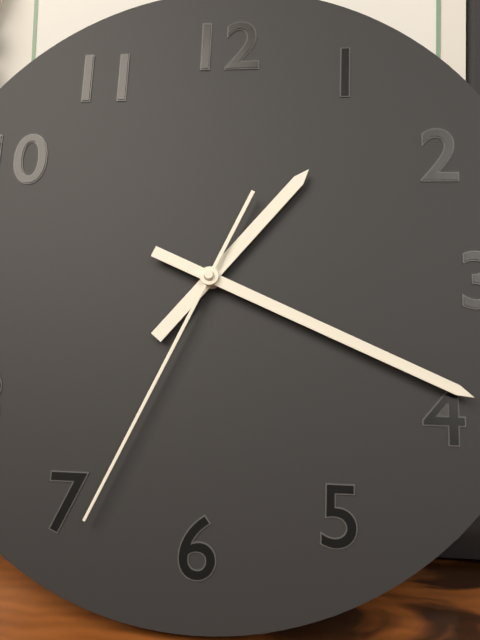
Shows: h=1 m=19 s=34
